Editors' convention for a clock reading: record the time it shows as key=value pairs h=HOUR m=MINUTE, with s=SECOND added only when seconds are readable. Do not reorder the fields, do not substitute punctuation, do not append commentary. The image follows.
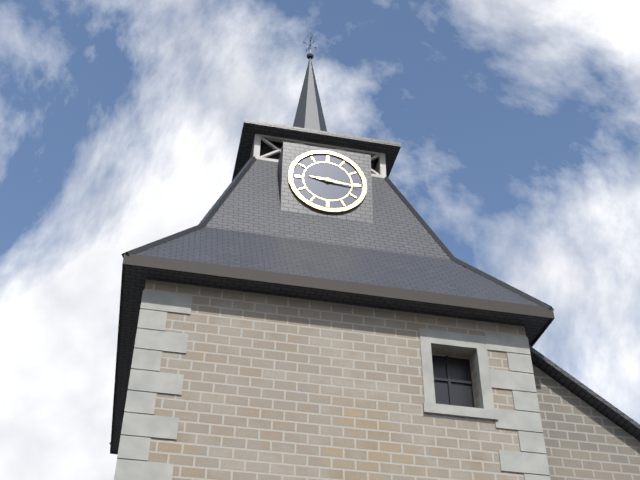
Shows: h=9 m=16
